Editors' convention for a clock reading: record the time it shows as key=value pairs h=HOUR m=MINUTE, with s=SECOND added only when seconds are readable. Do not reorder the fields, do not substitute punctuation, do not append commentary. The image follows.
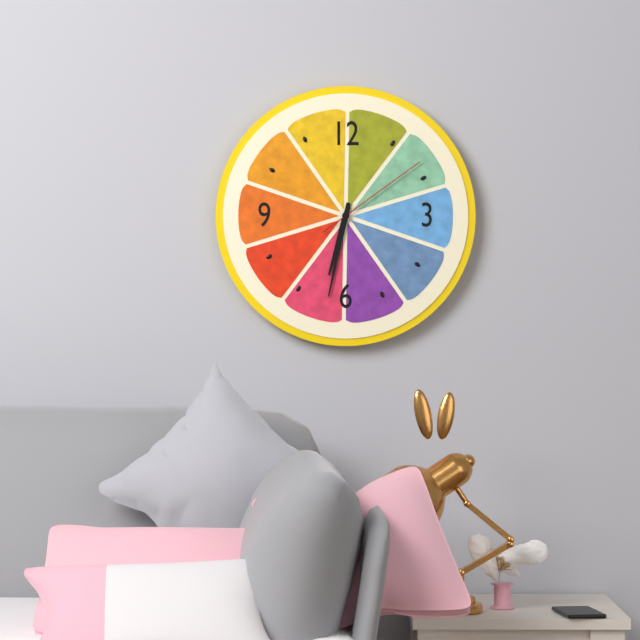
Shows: h=6 m=32 s=9
